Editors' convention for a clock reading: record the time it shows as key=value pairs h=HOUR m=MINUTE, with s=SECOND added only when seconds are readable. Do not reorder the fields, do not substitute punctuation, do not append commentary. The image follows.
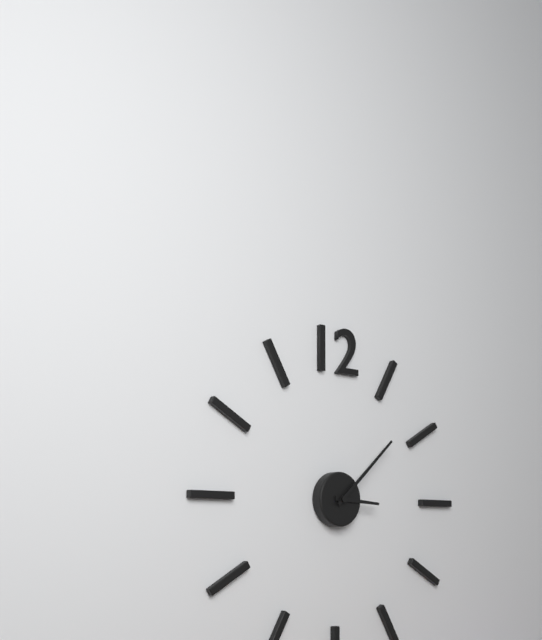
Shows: h=3 m=8
